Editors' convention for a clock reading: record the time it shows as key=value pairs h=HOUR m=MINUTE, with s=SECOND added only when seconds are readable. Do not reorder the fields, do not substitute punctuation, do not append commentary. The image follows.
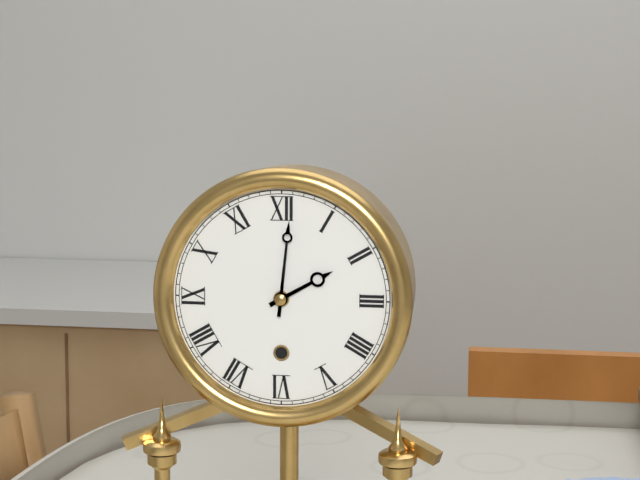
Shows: h=2 m=1
